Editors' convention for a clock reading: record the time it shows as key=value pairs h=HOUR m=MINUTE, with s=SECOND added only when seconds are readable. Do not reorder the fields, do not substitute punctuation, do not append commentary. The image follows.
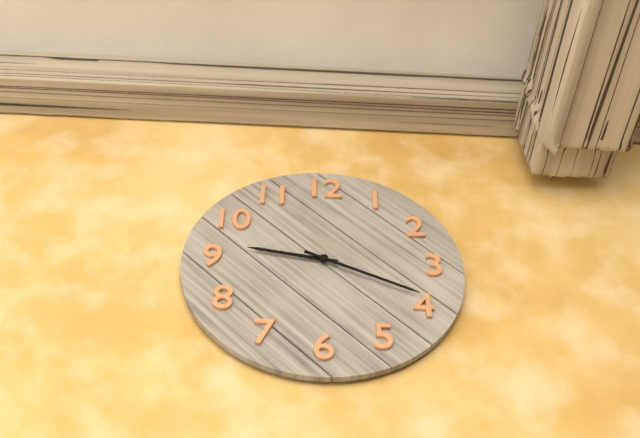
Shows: h=9 m=19
